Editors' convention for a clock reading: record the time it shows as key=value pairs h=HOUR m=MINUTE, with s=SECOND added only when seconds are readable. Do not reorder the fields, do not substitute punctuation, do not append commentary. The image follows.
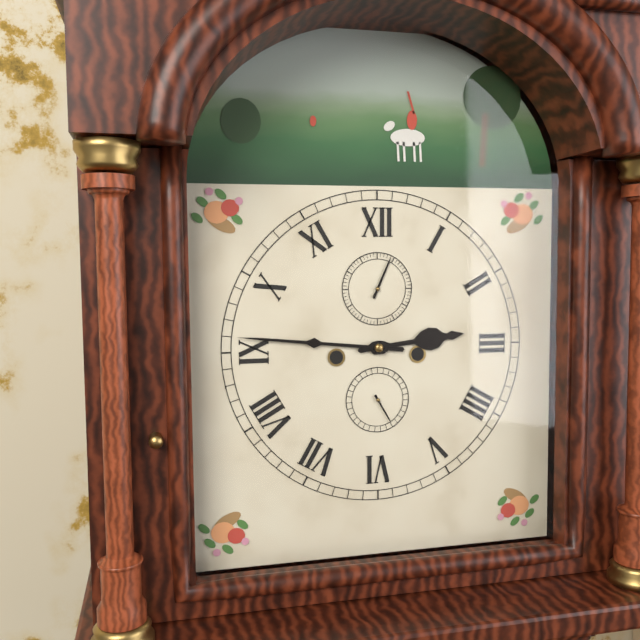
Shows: h=2 m=46
